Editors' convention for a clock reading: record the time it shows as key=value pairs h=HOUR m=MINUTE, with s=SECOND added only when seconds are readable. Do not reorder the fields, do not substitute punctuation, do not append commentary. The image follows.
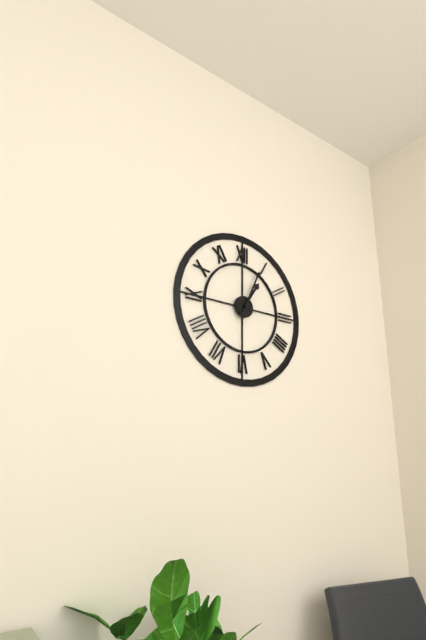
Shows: h=1 m=4
